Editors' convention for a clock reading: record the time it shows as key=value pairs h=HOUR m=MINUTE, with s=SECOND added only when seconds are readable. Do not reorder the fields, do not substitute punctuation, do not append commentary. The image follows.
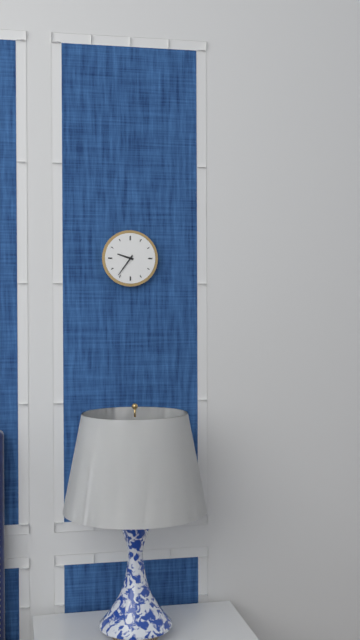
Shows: h=9 m=36
